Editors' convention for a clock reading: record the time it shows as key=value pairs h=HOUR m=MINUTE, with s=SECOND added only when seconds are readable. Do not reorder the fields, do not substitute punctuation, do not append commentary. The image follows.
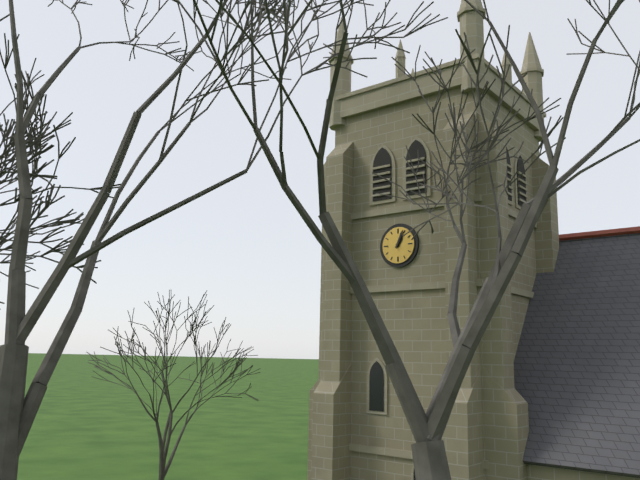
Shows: h=1 m=4
